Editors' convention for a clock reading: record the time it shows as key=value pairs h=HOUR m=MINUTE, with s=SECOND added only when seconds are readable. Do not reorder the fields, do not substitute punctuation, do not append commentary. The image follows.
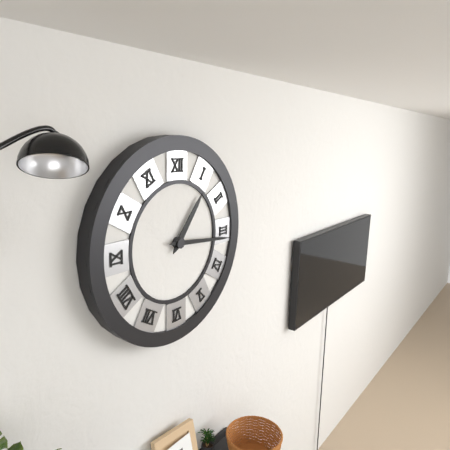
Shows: h=1 m=16
